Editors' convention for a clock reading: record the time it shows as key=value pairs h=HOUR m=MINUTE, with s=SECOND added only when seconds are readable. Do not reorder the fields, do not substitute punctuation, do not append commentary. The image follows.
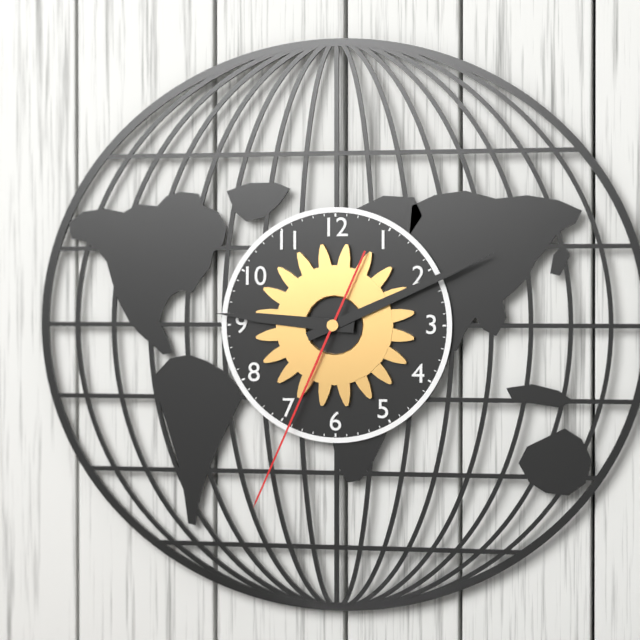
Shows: h=9 m=11 s=34
